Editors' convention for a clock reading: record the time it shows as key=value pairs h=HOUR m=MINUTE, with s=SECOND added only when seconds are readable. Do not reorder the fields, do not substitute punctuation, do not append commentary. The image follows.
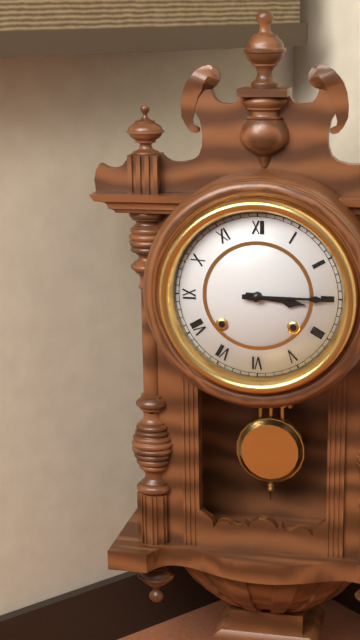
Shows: h=3 m=15
